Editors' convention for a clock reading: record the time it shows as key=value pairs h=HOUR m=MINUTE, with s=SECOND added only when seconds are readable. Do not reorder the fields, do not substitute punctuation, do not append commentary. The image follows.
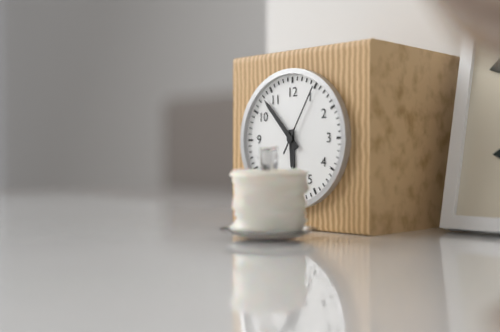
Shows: h=5 m=53 s=5
